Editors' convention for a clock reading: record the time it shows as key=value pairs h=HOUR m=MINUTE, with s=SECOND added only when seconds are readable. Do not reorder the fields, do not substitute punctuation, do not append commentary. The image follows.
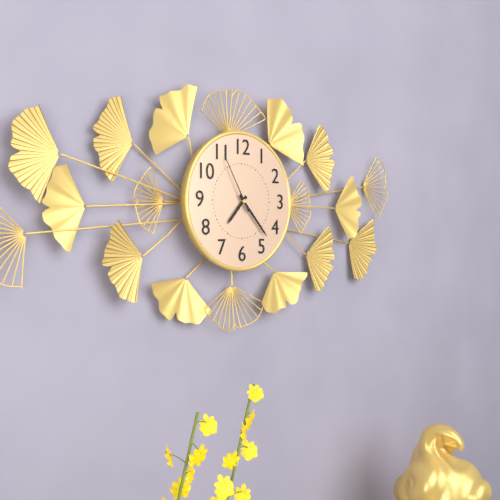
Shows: h=7 m=23 s=55
